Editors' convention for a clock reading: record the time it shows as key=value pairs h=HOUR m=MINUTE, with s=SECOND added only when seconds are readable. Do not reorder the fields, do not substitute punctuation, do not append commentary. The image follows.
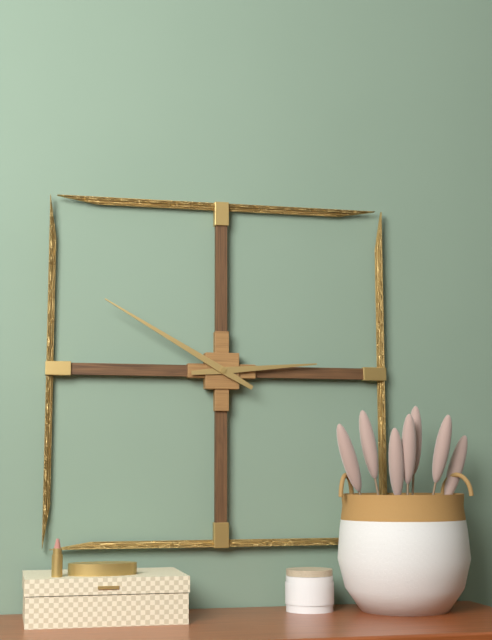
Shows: h=2 m=50
